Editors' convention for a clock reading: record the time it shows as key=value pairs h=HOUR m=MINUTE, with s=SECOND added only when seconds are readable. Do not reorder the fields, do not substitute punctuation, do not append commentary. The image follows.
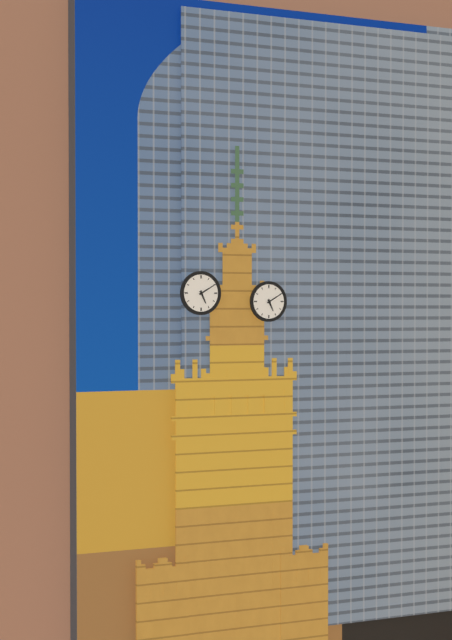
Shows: h=5 m=10
